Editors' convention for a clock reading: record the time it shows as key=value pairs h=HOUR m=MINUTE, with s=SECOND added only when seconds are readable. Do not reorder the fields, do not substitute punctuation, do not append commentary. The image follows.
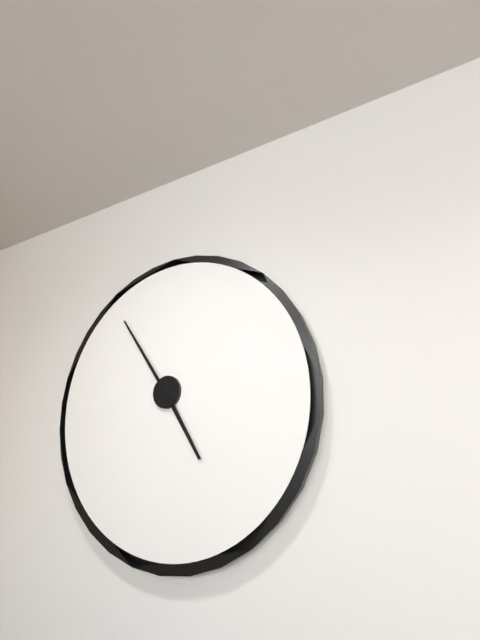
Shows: h=4 m=54
